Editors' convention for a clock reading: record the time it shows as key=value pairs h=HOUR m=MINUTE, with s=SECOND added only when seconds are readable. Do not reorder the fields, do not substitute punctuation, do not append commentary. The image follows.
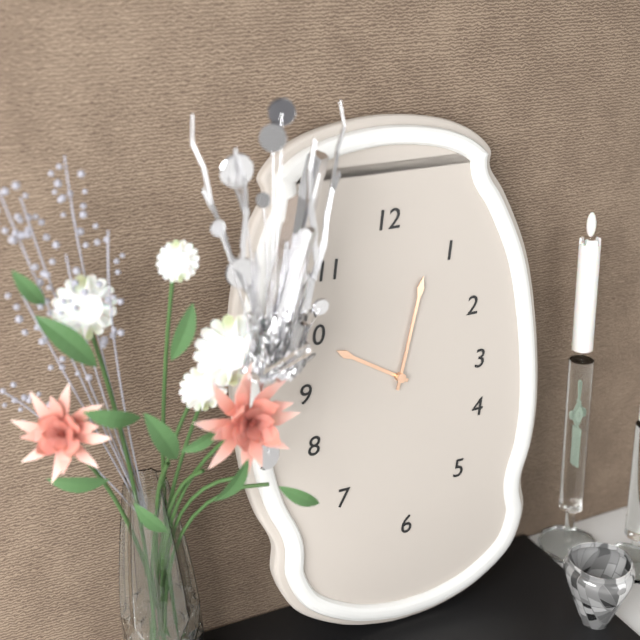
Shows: h=10 m=3
